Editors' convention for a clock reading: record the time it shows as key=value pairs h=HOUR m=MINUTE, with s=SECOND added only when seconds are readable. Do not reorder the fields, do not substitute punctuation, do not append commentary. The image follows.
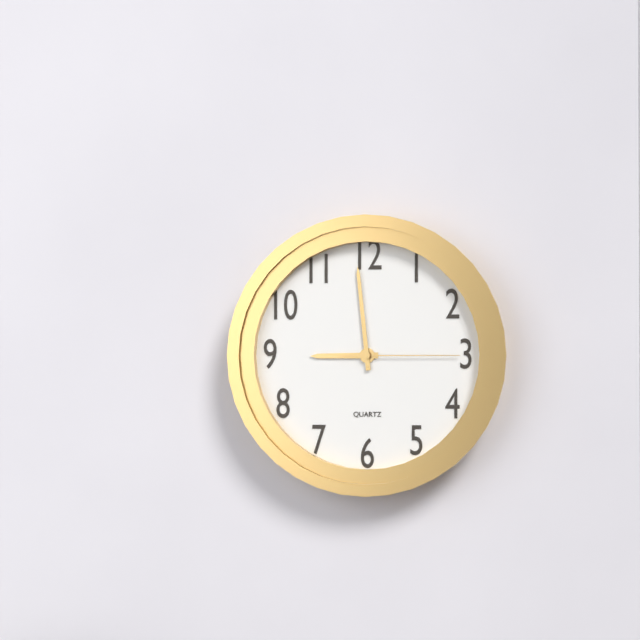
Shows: h=8 m=59 s=15
